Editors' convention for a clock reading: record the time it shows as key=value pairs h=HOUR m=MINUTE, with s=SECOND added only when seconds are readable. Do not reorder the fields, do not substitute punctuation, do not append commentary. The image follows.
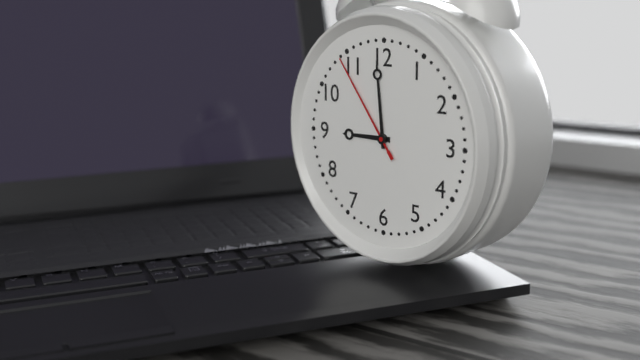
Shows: h=8 m=59 s=54
